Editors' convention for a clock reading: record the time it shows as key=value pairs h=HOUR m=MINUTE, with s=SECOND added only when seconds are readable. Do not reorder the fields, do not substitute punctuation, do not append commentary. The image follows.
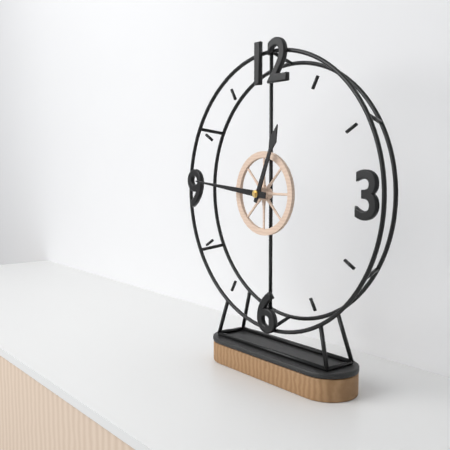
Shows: h=12 m=46
